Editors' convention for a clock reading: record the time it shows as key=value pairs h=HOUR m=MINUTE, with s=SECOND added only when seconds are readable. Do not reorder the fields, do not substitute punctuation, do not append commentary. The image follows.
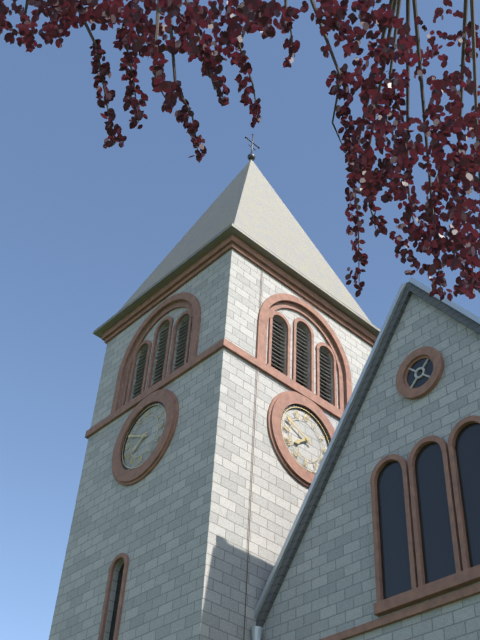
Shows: h=7 m=49
